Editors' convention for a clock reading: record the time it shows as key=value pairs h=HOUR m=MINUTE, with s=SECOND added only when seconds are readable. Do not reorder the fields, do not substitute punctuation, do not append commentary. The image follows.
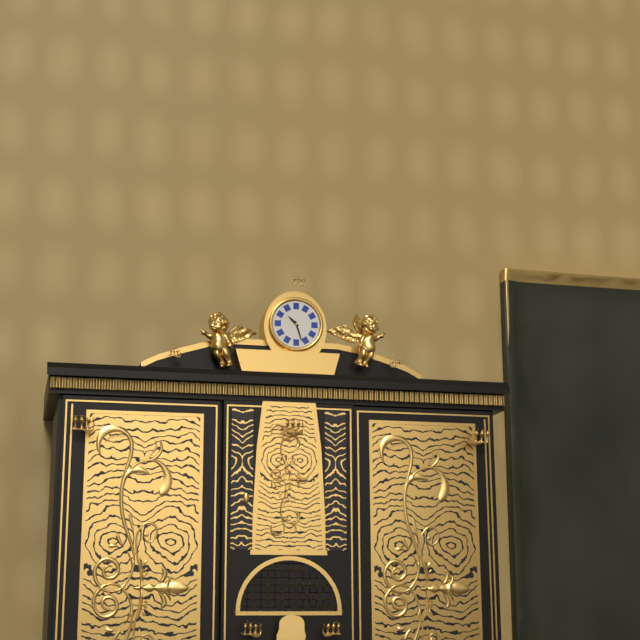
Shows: h=10 m=27
